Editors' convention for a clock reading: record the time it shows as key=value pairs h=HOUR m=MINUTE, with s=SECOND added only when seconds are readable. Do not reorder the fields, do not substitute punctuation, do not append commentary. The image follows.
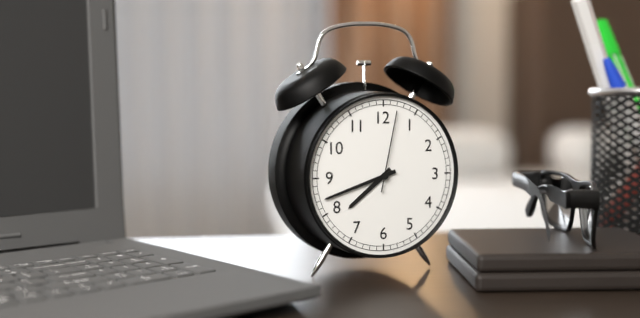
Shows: h=7 m=42 s=2
